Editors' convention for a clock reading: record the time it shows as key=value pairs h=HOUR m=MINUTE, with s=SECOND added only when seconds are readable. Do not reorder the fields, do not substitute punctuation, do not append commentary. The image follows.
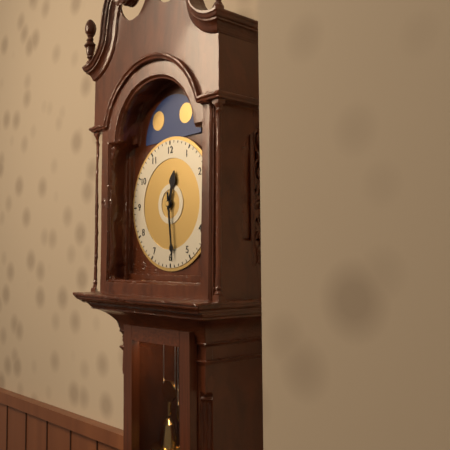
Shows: h=12 m=29
